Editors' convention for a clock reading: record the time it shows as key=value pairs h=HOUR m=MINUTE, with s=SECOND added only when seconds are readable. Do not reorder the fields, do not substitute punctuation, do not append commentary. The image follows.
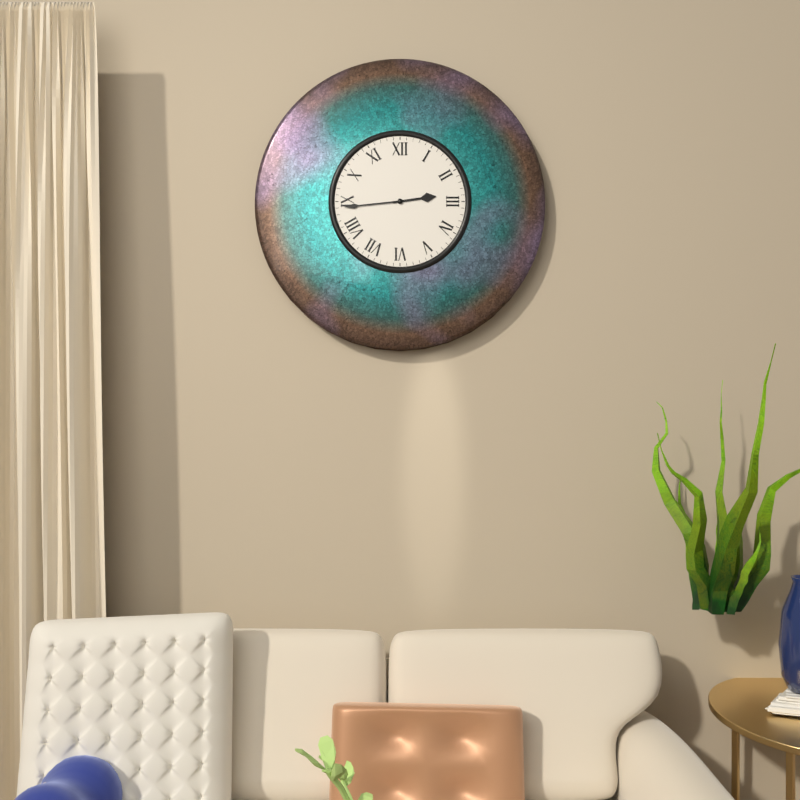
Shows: h=2 m=44
